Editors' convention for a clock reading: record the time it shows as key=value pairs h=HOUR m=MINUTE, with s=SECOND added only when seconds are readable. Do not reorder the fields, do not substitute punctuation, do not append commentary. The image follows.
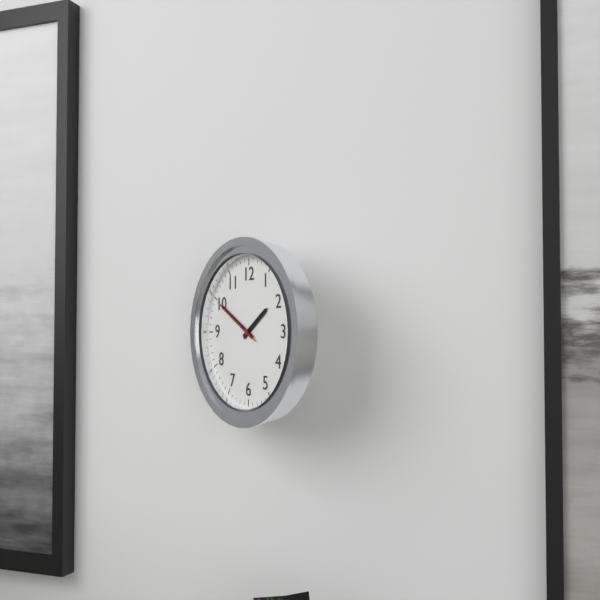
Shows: h=1 m=50 s=50
